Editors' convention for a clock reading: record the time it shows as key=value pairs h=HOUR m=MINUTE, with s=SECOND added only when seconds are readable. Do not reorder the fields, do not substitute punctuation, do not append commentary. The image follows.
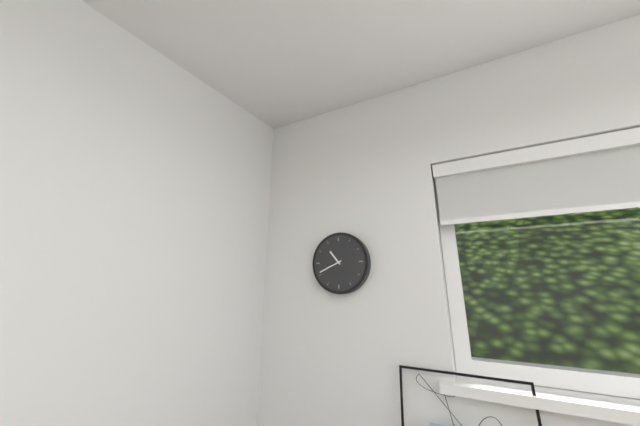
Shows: h=10 m=41
